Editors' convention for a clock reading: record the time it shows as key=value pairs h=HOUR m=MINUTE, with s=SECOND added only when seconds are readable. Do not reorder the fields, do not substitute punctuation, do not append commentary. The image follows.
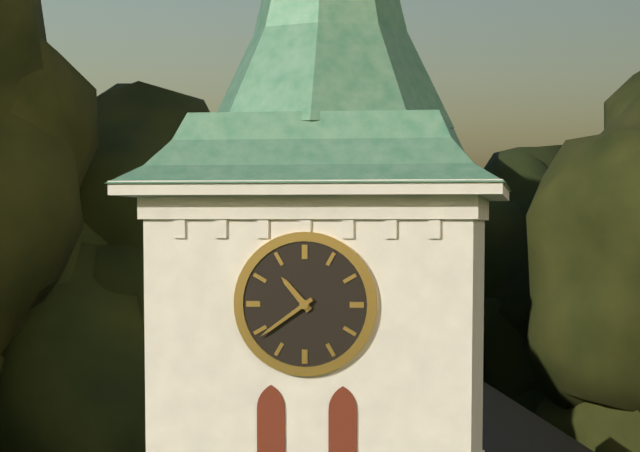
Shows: h=10 m=39
